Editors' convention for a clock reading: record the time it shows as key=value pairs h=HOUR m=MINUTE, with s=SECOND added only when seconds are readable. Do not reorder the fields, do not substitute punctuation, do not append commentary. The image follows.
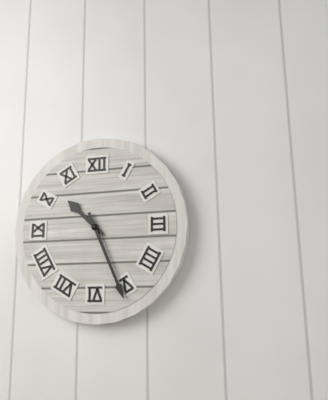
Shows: h=10 m=26
